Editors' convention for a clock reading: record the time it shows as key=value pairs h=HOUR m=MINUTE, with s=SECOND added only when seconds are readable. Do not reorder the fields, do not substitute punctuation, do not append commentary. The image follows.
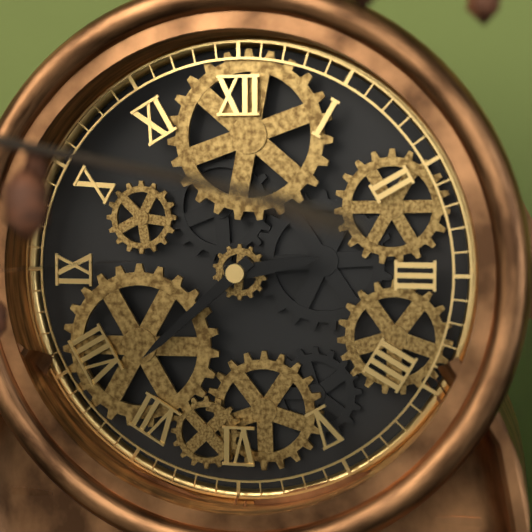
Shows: h=2 m=38
